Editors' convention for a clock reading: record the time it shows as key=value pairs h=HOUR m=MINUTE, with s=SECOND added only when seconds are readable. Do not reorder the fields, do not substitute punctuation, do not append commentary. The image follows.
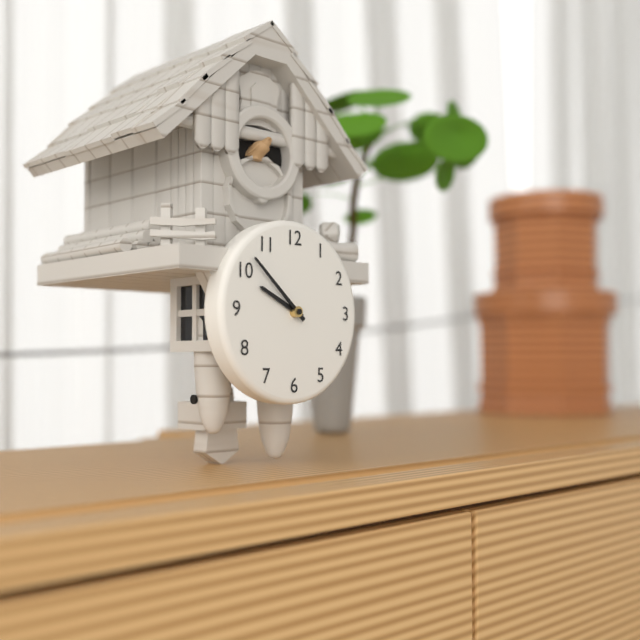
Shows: h=9 m=52
